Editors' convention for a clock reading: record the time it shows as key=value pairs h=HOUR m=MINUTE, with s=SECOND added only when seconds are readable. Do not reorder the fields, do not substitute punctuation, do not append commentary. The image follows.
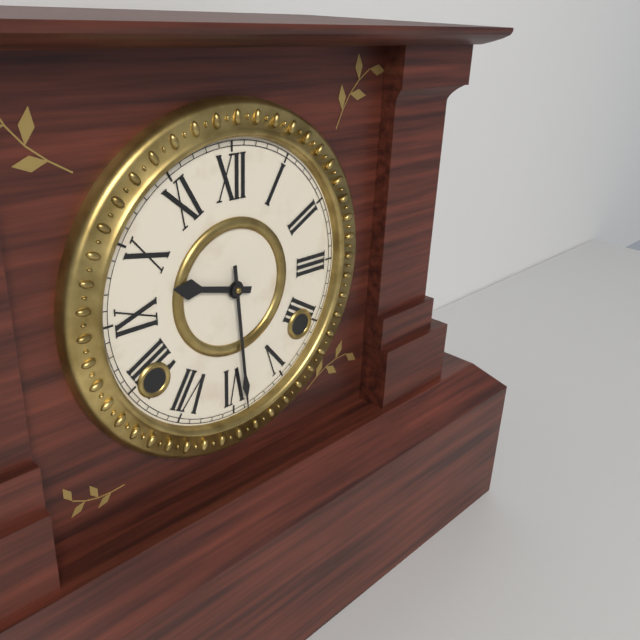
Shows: h=9 m=29
